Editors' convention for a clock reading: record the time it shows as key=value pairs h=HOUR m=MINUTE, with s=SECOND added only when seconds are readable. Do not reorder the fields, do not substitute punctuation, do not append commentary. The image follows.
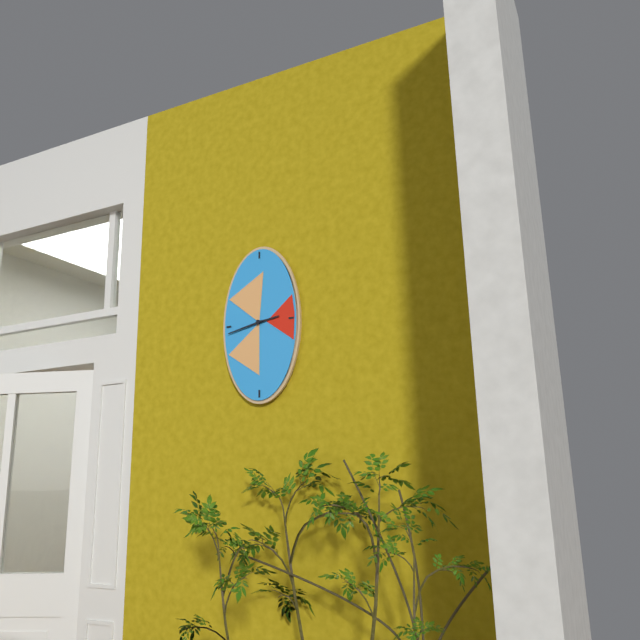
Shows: h=2 m=43
